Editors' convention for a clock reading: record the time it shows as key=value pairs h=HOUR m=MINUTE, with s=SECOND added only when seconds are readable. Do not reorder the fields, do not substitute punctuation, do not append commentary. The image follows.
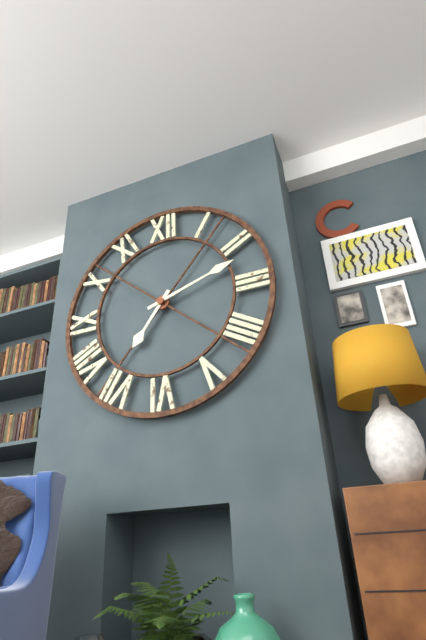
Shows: h=7 m=12
